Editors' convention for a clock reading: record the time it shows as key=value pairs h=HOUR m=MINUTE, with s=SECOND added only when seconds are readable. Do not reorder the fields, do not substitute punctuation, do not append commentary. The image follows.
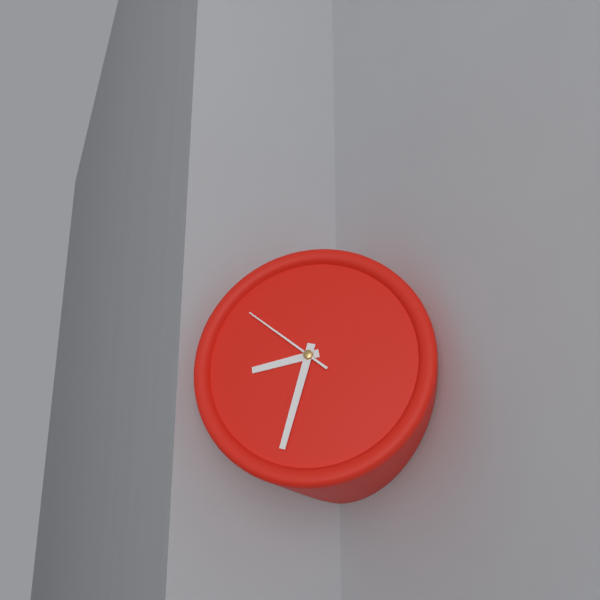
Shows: h=8 m=32 s=51
